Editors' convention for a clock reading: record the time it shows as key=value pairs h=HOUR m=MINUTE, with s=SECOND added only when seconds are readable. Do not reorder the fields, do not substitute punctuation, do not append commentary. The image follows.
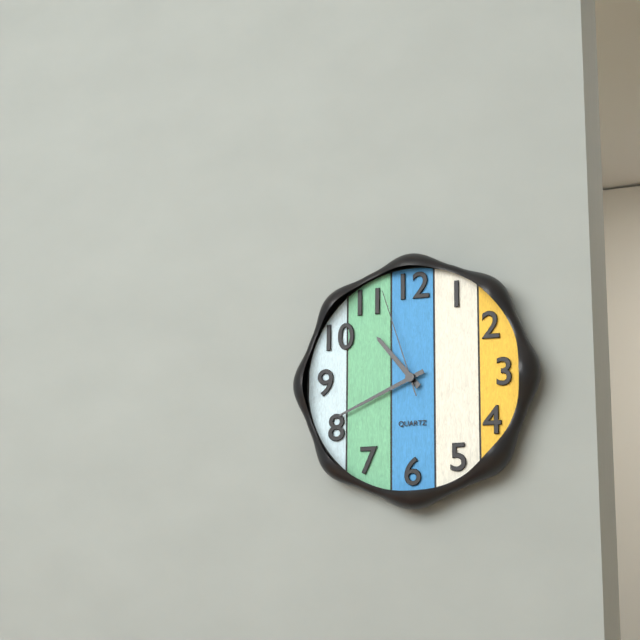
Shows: h=10 m=41 s=57
